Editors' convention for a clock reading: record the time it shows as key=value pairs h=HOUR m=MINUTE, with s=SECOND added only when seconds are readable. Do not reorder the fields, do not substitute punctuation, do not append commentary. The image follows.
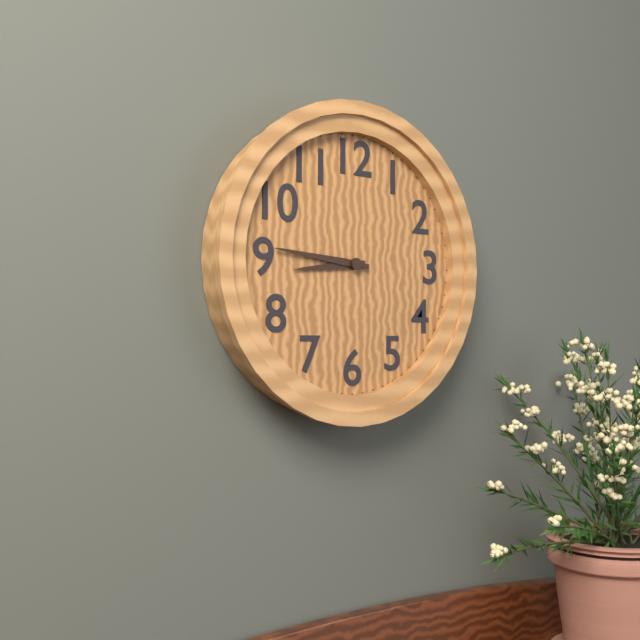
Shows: h=8 m=46
